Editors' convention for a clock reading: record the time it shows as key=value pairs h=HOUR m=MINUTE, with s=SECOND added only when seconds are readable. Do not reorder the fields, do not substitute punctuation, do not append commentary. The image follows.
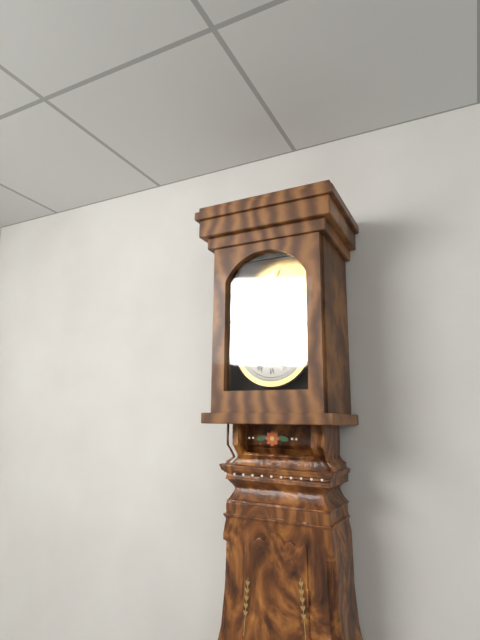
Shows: h=11 m=53
